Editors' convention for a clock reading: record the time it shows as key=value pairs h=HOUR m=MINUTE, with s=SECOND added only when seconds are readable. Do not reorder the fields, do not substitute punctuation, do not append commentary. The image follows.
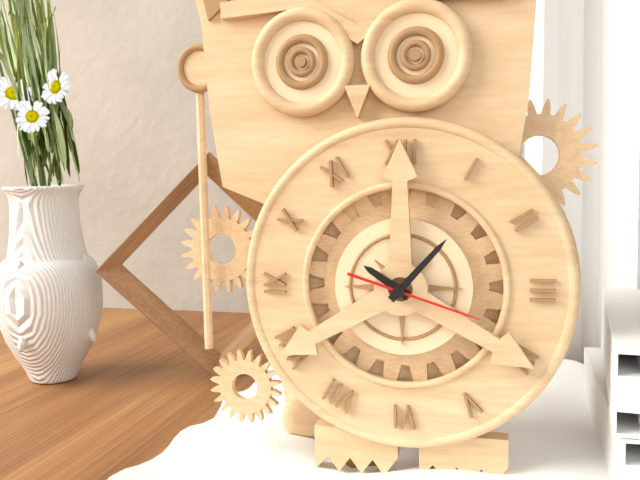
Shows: h=10 m=7 s=18
